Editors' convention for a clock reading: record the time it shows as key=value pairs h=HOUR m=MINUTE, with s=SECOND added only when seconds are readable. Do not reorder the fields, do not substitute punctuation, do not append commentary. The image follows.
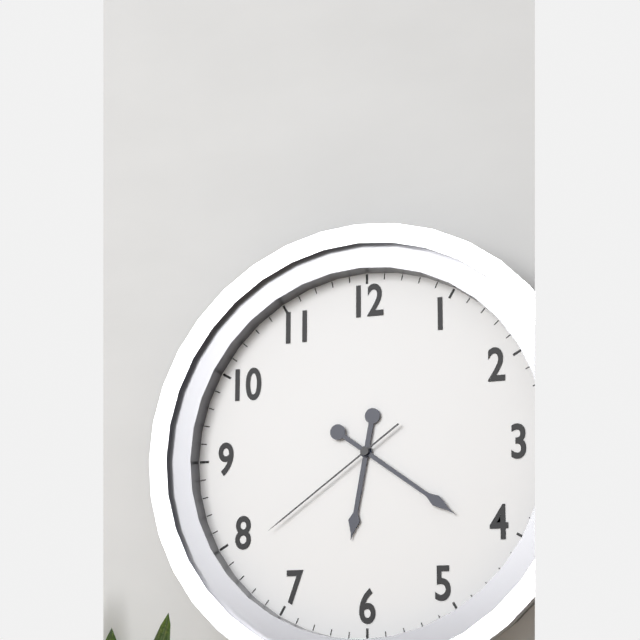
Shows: h=6 m=21 s=39
